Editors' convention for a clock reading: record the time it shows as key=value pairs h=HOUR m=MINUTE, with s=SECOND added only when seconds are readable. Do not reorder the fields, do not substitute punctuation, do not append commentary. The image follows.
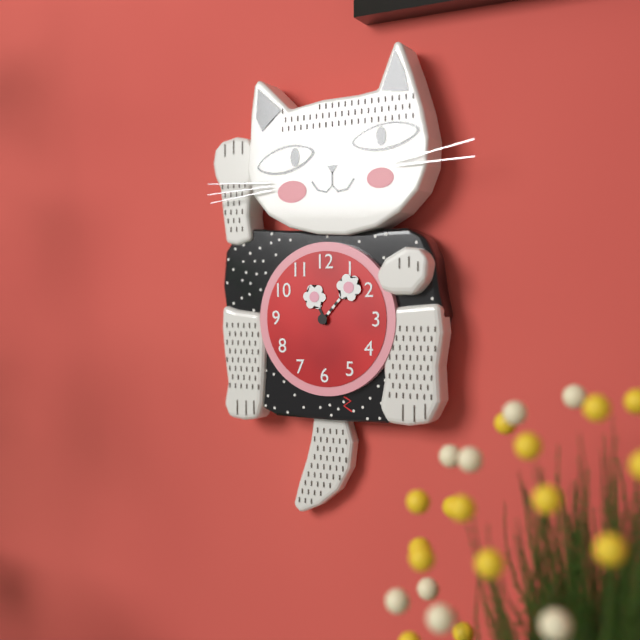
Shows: h=11 m=7
